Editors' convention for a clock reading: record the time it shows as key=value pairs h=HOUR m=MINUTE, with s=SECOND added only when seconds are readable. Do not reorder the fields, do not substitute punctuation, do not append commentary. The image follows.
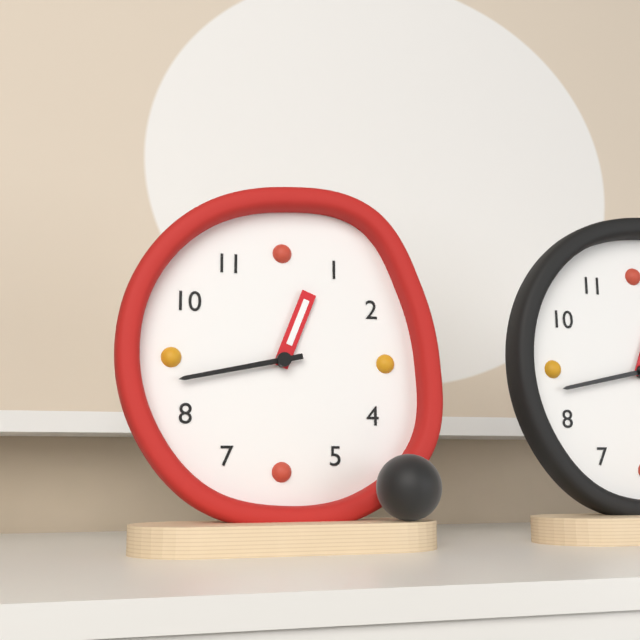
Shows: h=12 m=43
